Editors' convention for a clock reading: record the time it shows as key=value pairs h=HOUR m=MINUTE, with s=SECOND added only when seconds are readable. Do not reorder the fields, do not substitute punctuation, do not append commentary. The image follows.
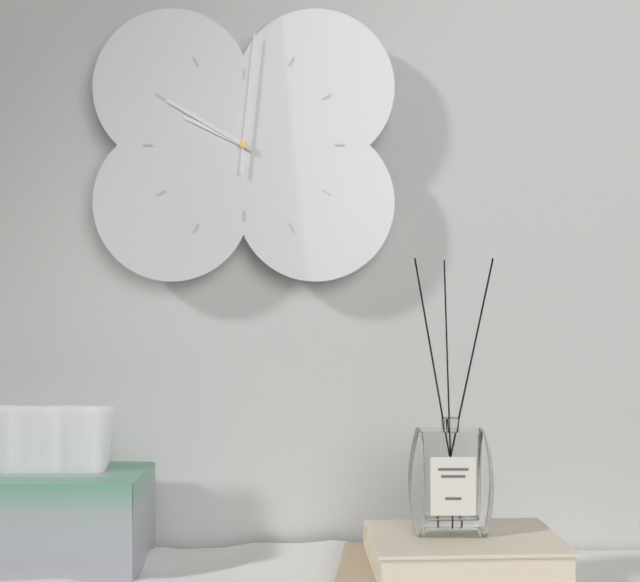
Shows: h=9 m=50 s=1
